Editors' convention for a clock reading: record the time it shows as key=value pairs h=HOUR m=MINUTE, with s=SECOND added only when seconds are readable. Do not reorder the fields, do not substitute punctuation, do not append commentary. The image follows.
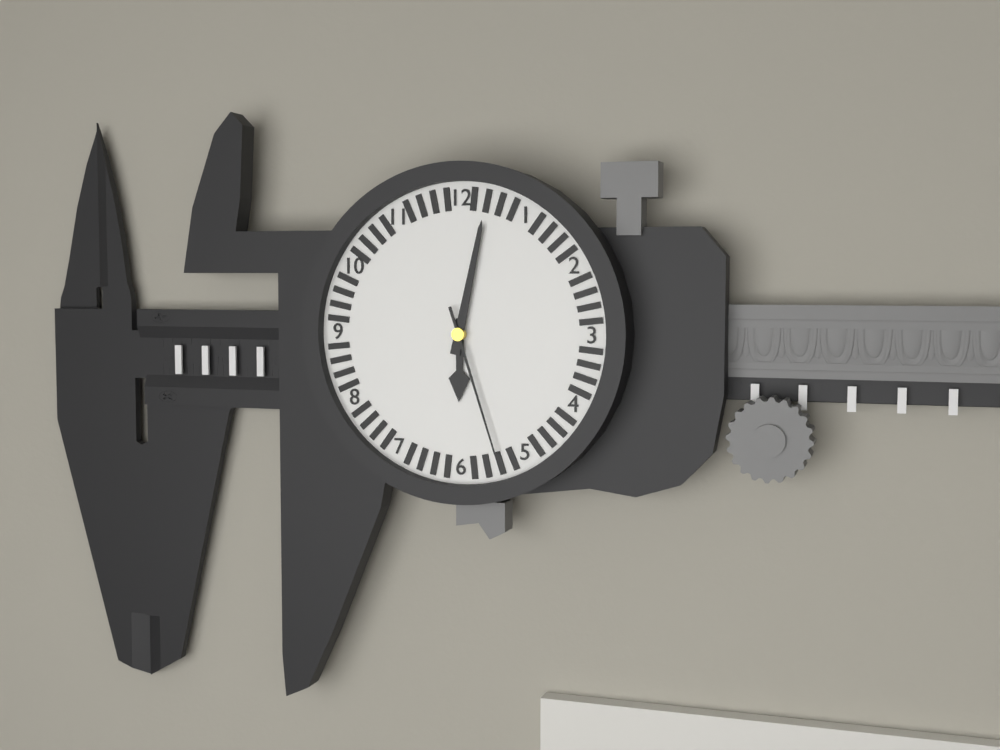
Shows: h=6 m=2 s=27
